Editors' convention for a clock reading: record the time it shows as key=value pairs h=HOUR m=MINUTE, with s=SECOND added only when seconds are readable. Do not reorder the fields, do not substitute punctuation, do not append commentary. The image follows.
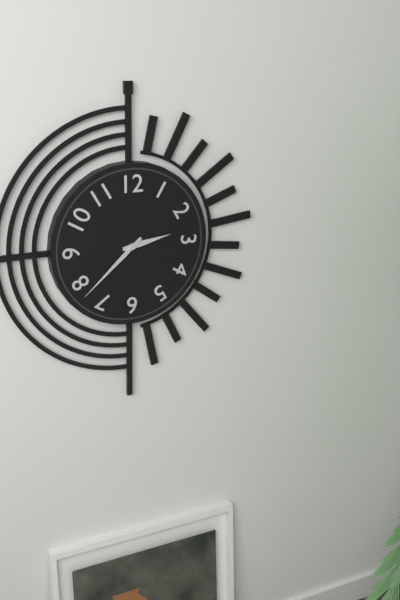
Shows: h=2 m=38
